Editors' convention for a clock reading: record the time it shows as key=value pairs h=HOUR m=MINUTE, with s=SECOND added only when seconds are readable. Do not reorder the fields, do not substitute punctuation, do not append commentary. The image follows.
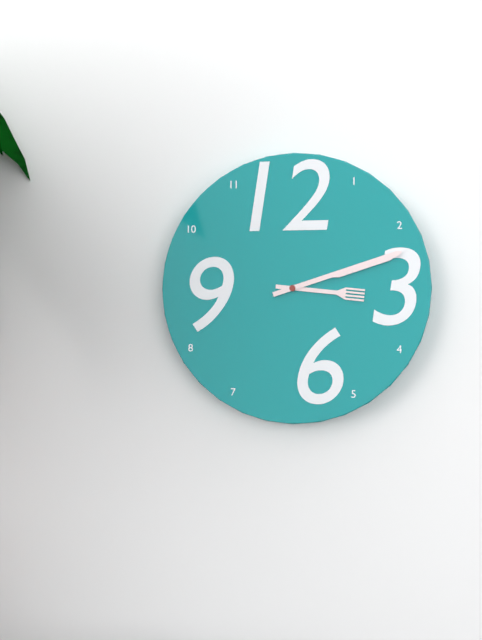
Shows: h=3 m=12
